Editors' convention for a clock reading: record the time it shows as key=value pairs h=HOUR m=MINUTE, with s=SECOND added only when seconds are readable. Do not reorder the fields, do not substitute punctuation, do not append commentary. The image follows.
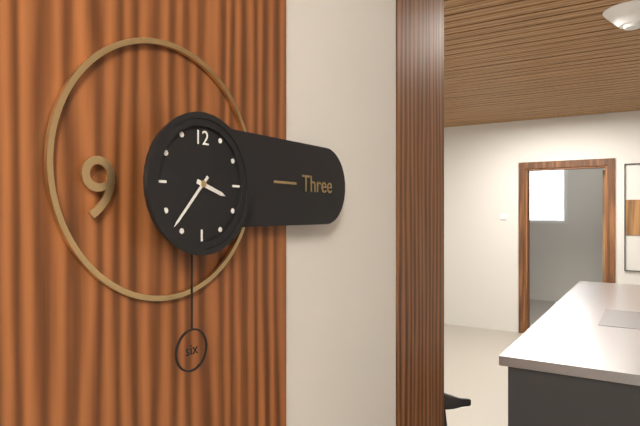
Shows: h=3 m=37
